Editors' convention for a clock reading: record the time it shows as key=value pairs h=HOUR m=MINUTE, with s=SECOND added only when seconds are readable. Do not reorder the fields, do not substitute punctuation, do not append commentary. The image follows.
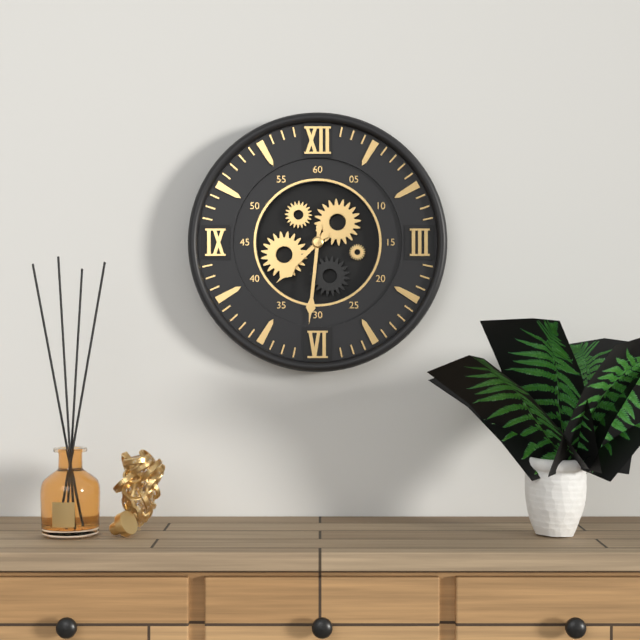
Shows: h=7 m=31
